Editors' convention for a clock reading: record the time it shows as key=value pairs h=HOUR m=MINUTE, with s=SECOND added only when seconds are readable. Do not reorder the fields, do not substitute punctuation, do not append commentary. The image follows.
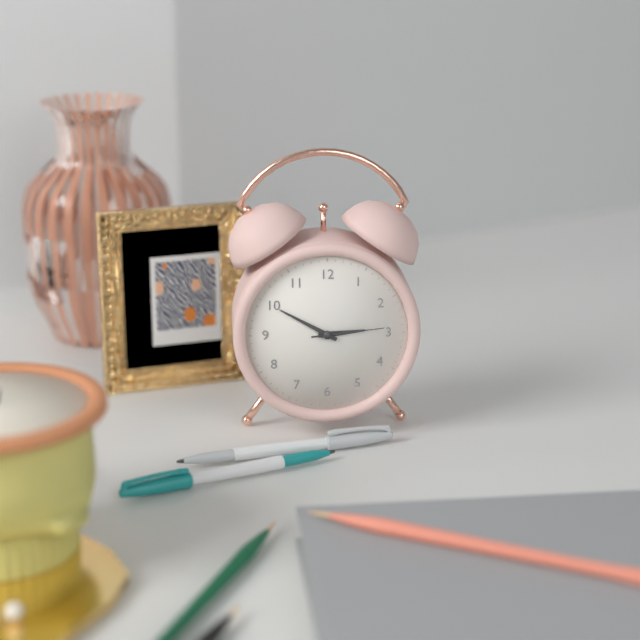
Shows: h=2 m=50 s=14
